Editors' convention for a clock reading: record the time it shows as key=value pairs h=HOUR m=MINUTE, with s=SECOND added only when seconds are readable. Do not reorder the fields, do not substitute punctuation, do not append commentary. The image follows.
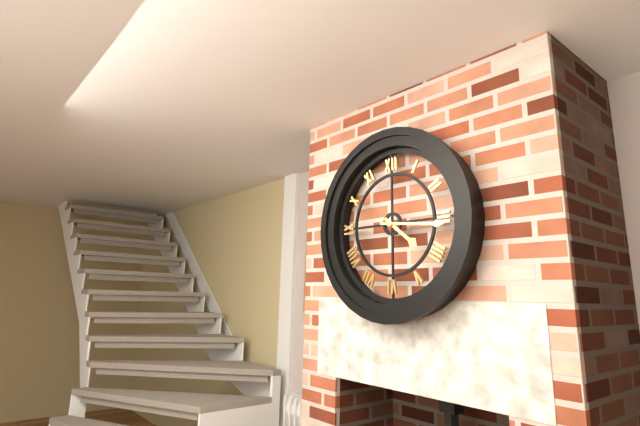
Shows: h=4 m=16
